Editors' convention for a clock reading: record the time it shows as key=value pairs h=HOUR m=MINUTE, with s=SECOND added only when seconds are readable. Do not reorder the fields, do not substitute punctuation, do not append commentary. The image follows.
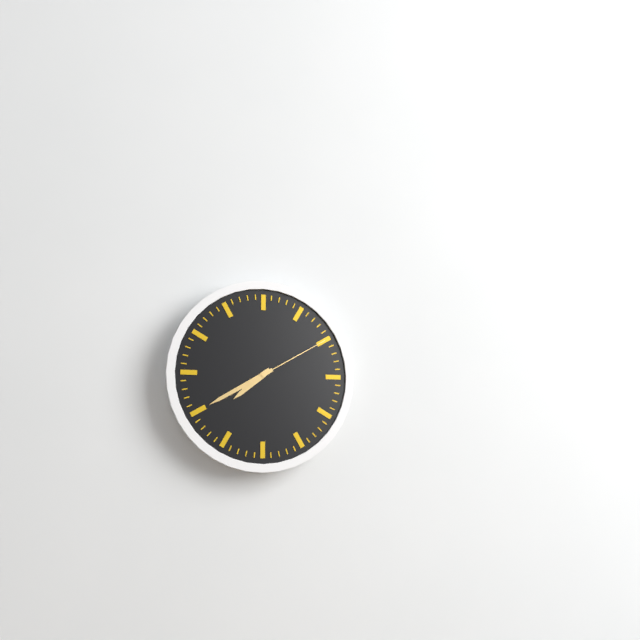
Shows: h=7 m=40 s=10
